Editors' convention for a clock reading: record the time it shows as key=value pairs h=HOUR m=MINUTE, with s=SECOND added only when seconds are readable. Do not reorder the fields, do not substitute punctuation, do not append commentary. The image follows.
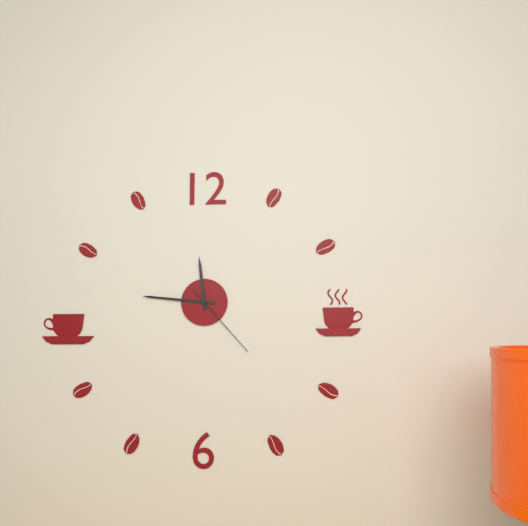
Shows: h=11 m=46 s=23
